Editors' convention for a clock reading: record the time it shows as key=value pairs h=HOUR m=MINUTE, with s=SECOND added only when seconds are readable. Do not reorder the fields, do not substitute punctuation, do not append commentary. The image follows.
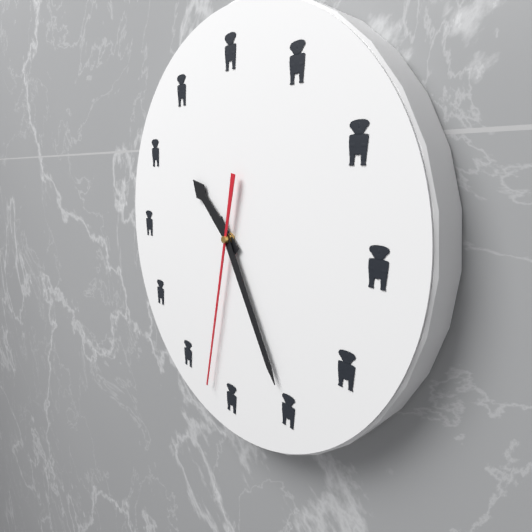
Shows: h=10 m=25 s=32
